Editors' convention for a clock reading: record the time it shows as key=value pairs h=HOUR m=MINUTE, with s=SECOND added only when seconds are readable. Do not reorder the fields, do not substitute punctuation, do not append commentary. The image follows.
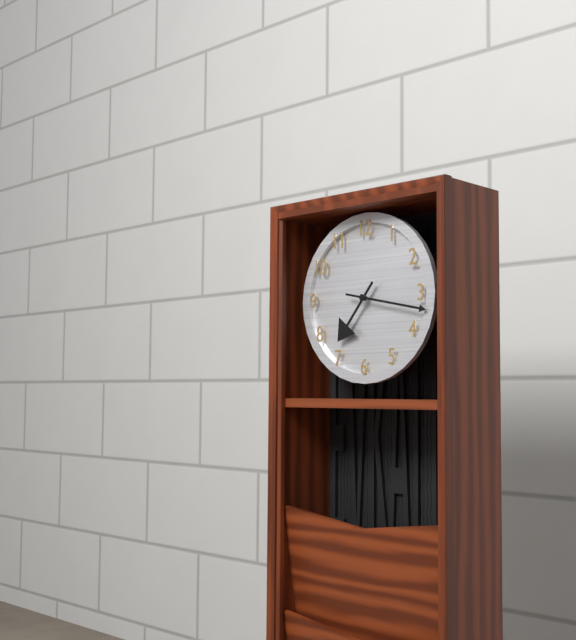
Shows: h=7 m=17
